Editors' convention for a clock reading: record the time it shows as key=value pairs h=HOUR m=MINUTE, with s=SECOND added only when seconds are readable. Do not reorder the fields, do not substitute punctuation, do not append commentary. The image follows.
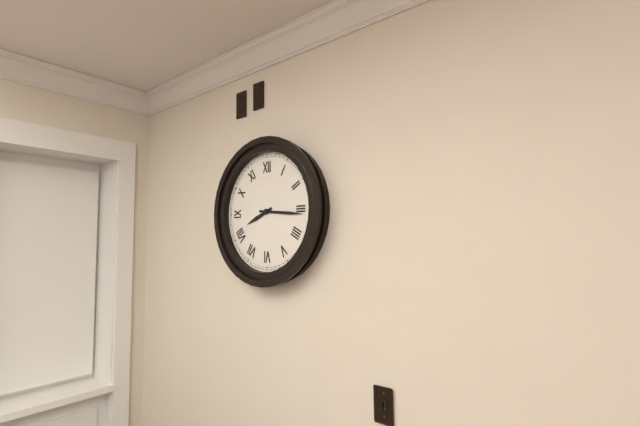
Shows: h=8 m=16
